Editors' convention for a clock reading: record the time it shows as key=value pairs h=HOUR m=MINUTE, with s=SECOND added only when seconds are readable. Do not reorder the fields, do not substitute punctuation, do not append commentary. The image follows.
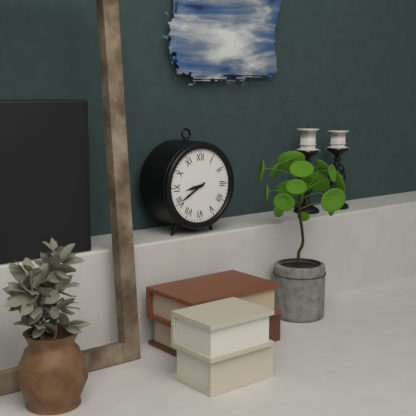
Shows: h=8 m=40
